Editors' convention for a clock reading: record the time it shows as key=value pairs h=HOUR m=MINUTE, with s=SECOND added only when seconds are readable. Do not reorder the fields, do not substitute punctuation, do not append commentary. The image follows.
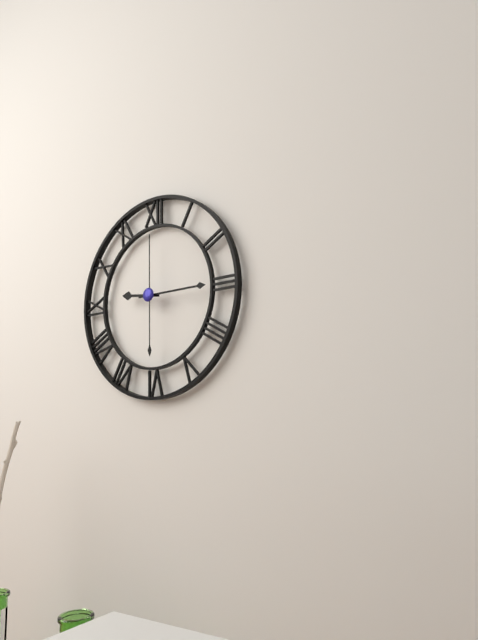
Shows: h=9 m=15 s=0
